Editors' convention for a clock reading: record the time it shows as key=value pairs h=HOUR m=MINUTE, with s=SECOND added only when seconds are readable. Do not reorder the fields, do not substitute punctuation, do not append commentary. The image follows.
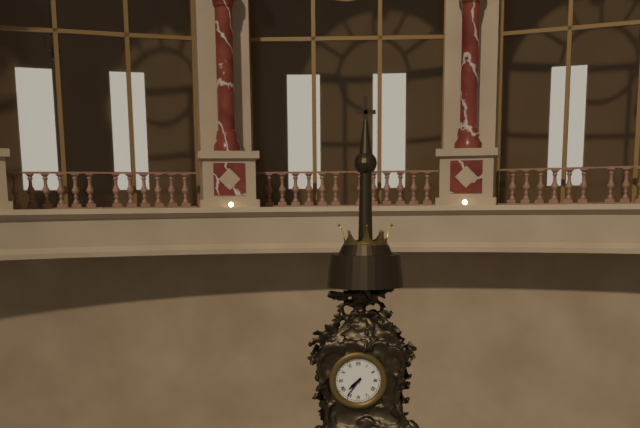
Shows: h=7 m=36
